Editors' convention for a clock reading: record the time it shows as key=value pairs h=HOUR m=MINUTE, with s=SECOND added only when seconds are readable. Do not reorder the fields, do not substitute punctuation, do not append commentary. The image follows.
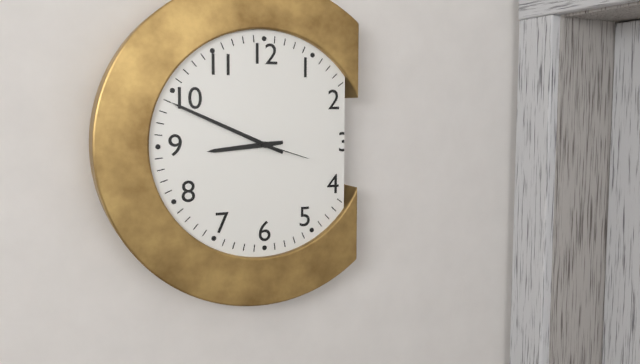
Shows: h=8 m=49 s=18
